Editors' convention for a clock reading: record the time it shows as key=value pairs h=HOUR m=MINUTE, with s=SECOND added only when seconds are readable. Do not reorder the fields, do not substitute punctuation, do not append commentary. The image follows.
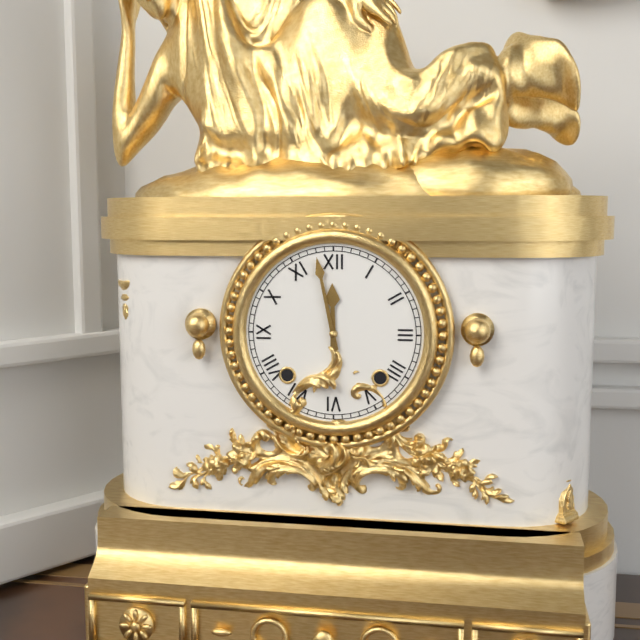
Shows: h=11 m=58
